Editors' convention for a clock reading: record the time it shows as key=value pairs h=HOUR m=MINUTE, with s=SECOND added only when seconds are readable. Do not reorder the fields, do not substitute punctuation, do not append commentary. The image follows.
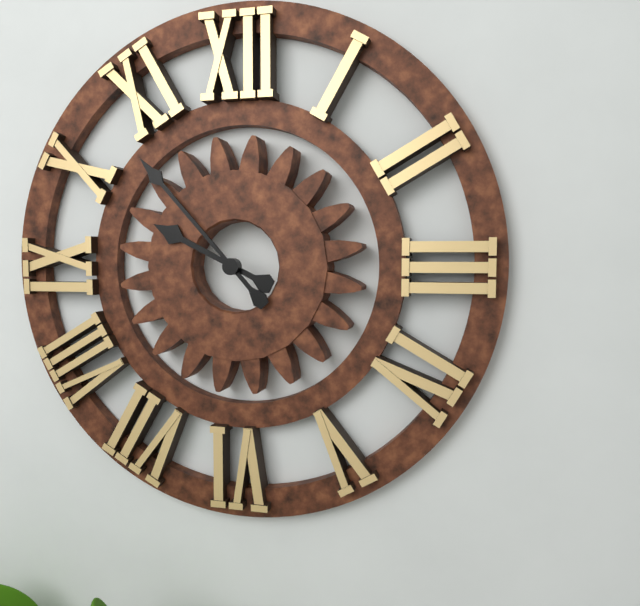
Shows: h=9 m=53
